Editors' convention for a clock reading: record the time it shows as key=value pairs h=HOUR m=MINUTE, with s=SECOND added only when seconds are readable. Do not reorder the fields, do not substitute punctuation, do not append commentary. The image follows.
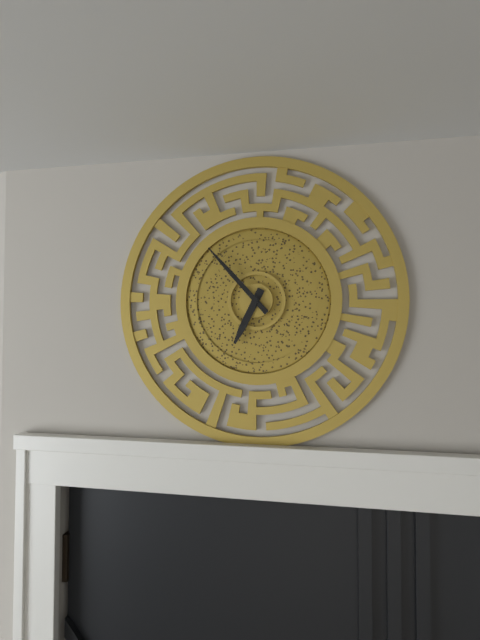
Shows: h=6 m=53
